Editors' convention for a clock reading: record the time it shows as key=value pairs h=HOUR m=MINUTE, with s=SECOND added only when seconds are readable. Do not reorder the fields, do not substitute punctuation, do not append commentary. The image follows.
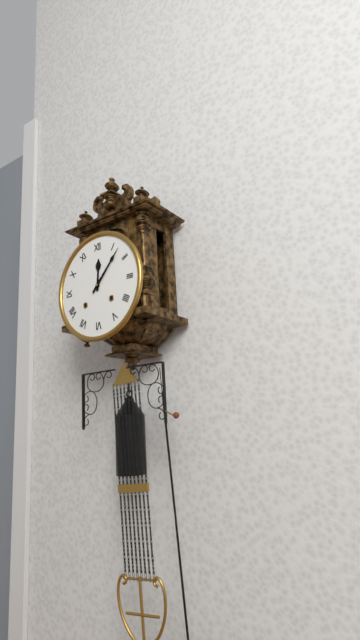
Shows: h=12 m=7
